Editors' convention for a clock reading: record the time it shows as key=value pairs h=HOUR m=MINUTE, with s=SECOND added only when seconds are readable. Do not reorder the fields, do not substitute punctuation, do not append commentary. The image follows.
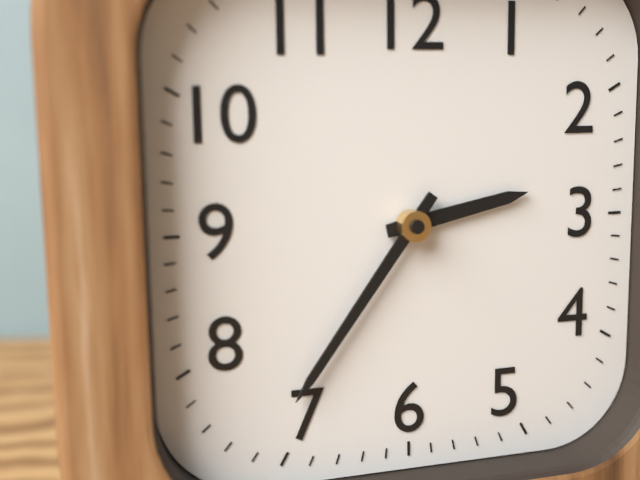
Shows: h=2 m=36
